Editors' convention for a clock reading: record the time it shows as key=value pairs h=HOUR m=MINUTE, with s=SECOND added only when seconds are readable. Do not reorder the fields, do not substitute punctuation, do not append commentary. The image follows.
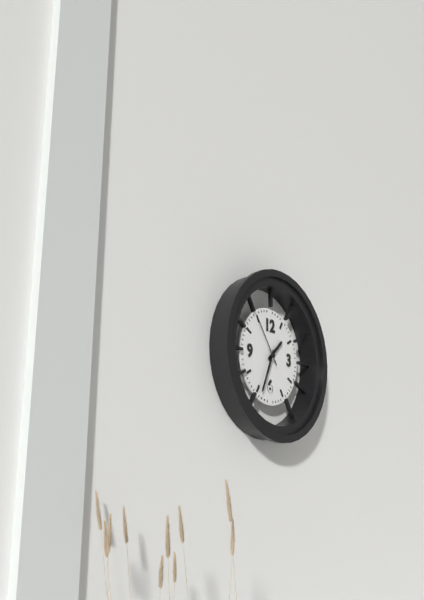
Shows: h=1 m=34 s=54
